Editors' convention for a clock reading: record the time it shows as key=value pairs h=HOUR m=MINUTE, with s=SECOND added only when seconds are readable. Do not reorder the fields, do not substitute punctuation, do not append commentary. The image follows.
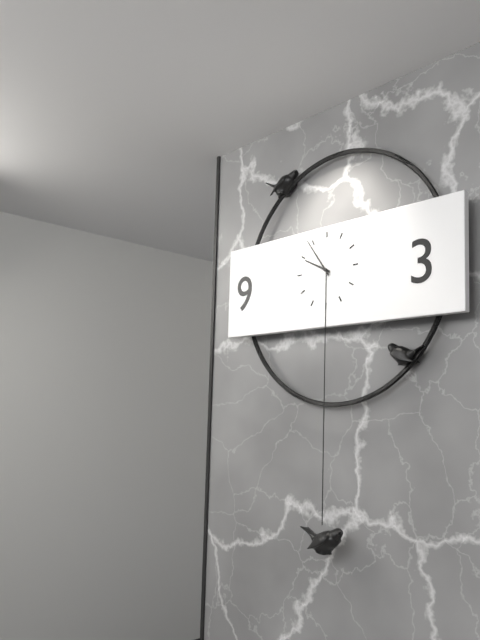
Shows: h=9 m=54
